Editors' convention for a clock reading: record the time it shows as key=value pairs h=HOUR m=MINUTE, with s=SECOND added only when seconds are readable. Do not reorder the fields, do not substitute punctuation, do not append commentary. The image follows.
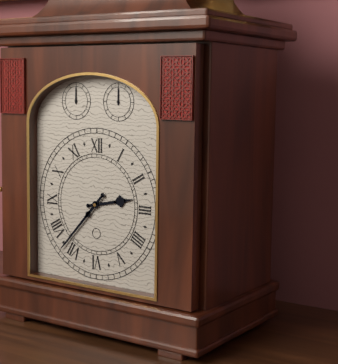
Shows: h=2 m=37
